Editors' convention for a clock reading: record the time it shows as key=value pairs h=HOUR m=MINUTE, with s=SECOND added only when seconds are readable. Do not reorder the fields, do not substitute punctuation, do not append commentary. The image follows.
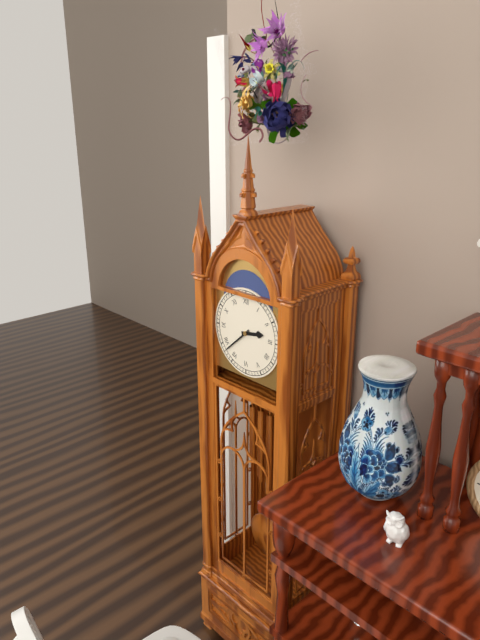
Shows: h=2 m=38
